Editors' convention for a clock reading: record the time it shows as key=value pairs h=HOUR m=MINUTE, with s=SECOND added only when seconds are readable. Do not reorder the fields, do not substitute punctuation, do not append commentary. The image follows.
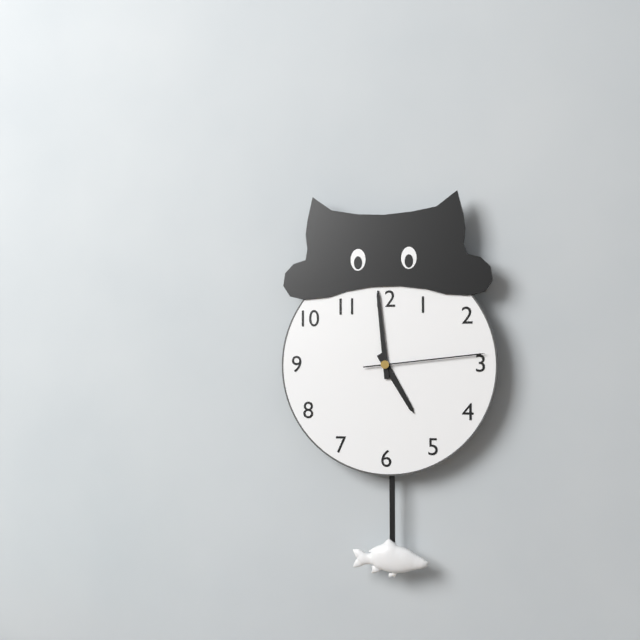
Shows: h=4 m=59 s=14
